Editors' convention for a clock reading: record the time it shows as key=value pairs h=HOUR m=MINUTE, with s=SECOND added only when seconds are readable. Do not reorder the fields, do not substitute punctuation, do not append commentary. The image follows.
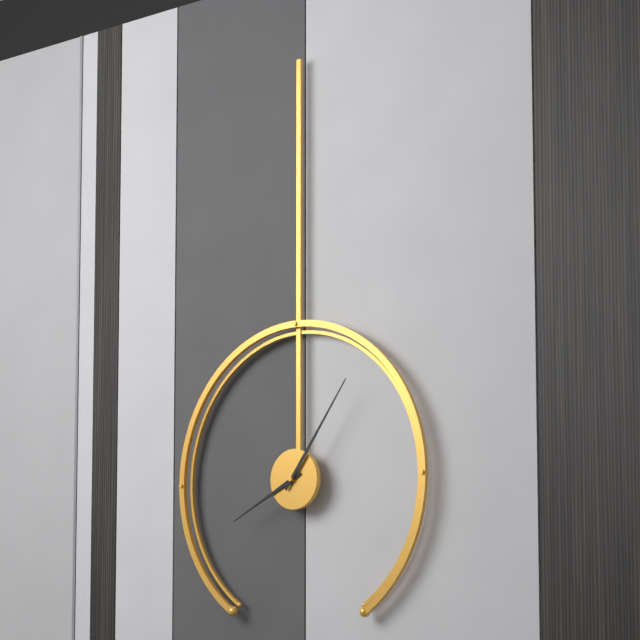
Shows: h=8 m=6
